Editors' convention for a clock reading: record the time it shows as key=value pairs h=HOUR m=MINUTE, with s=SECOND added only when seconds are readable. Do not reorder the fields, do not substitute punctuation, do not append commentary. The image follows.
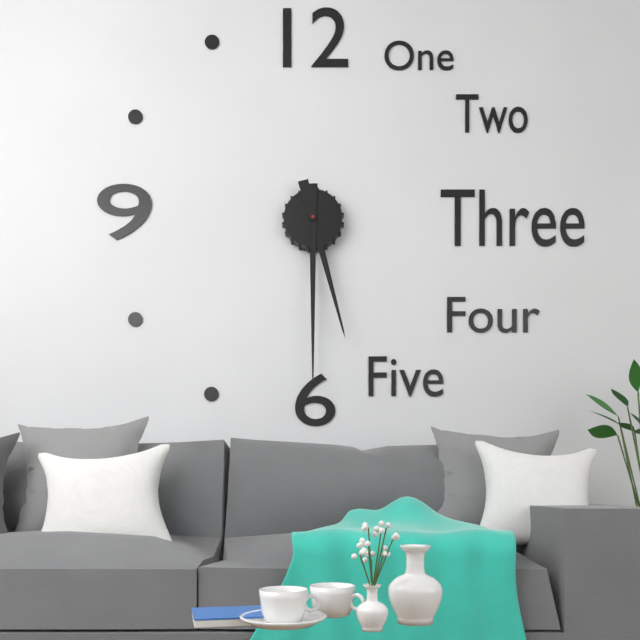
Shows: h=5 m=30
